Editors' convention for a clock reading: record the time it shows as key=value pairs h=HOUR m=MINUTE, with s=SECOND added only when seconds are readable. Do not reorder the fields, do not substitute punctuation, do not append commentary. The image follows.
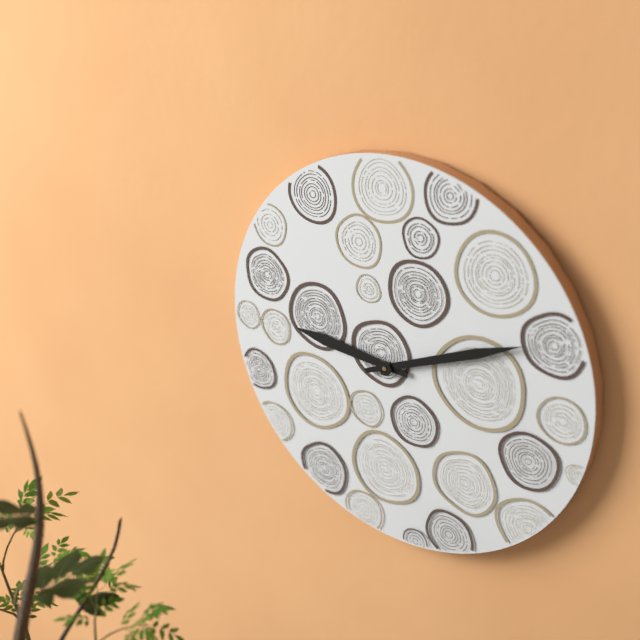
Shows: h=9 m=11
